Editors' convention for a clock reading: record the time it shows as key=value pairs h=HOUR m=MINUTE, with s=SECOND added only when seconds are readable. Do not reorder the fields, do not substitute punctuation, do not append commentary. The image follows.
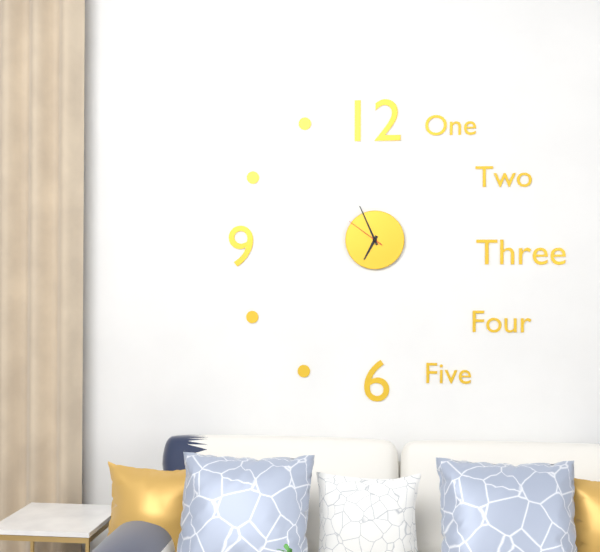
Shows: h=6 m=56
